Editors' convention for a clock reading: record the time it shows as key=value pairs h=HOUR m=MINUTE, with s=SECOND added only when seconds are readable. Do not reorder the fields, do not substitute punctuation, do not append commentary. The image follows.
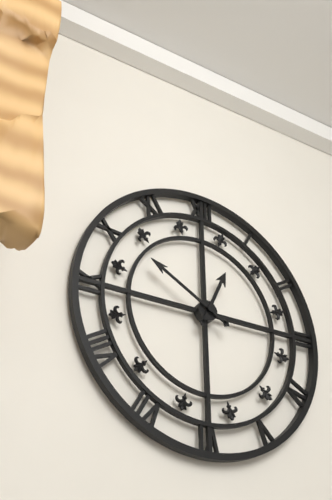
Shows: h=12 m=50
